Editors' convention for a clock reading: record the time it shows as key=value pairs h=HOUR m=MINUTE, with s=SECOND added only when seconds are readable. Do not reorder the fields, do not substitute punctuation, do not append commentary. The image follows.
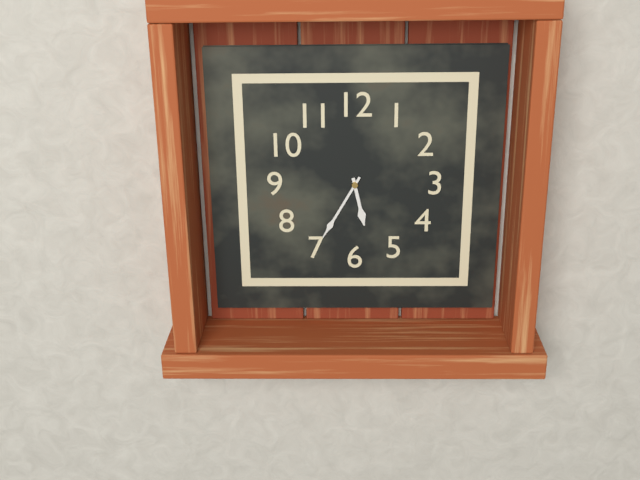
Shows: h=5 m=35
